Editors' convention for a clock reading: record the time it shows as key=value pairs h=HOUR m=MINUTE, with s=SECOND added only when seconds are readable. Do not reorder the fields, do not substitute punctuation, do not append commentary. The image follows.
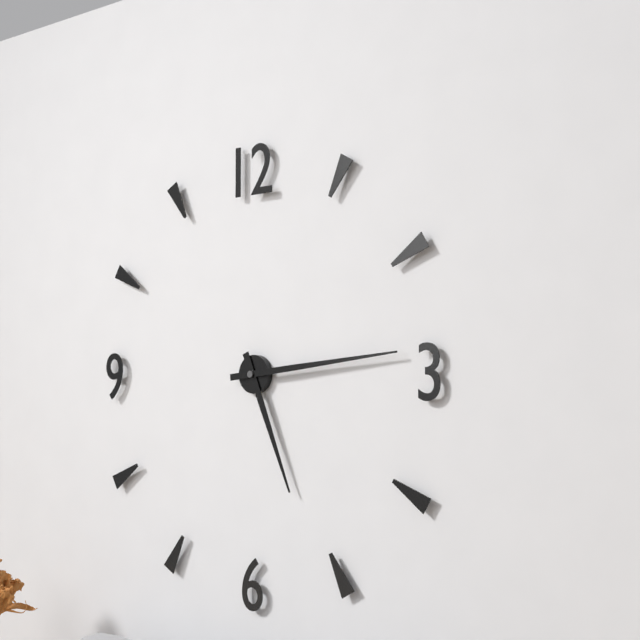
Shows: h=5 m=14
